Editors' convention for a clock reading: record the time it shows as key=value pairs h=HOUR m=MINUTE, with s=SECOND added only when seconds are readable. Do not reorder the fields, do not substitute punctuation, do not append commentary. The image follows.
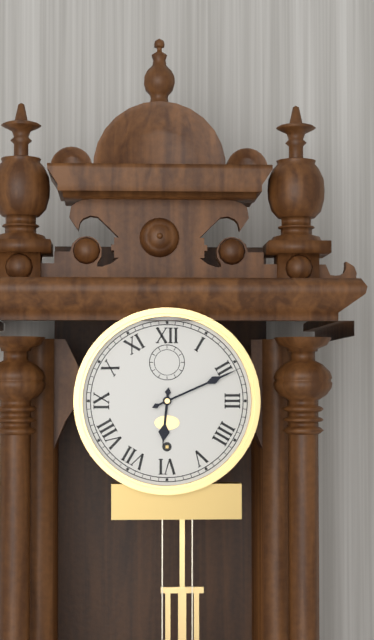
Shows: h=6 m=11
